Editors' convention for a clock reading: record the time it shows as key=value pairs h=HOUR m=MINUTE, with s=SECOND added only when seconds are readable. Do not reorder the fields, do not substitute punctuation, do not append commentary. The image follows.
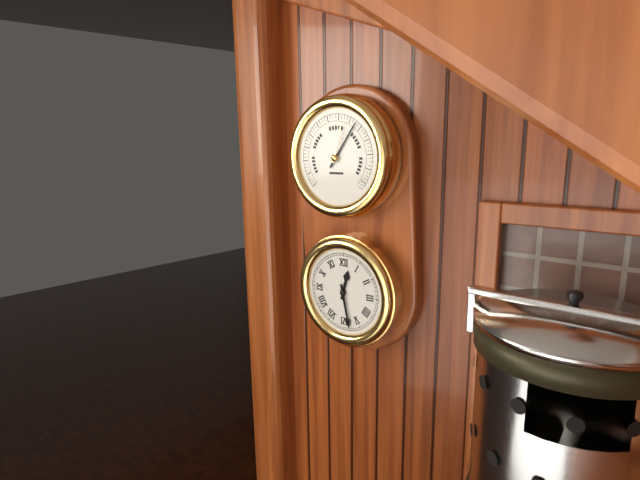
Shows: h=12 m=28
